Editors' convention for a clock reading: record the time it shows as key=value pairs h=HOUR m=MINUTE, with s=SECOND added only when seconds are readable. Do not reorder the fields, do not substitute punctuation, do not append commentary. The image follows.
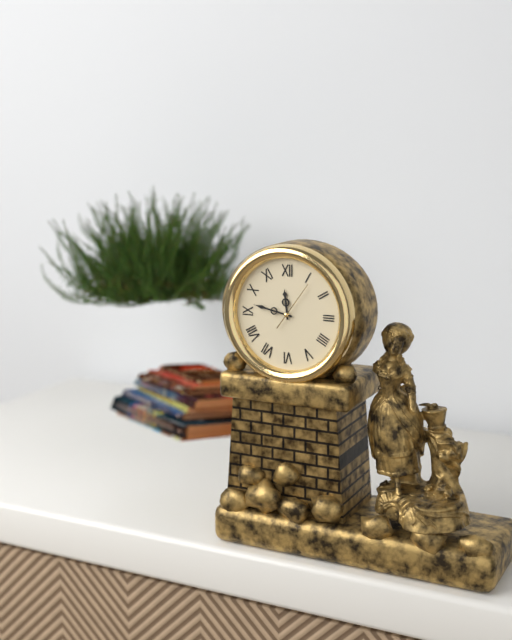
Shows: h=11 m=47
